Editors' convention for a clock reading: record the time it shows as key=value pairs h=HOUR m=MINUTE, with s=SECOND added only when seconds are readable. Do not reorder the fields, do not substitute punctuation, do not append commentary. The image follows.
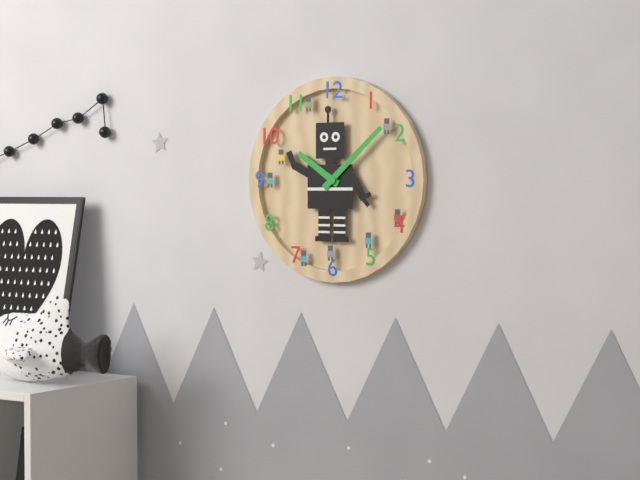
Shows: h=10 m=8
